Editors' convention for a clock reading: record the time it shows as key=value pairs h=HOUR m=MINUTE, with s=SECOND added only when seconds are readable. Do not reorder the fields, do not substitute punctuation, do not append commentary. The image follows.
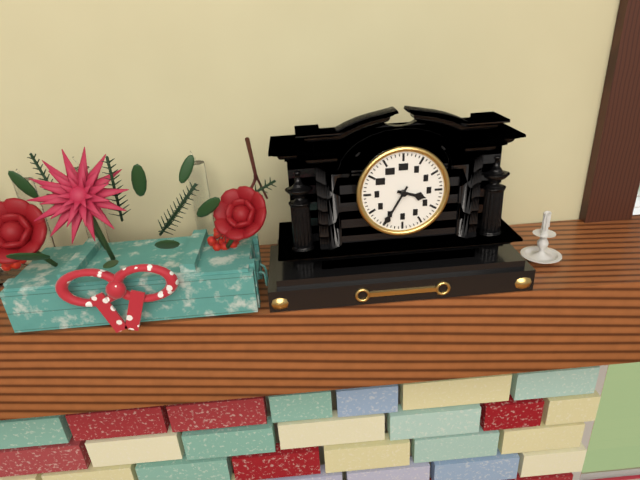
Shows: h=3 m=35
